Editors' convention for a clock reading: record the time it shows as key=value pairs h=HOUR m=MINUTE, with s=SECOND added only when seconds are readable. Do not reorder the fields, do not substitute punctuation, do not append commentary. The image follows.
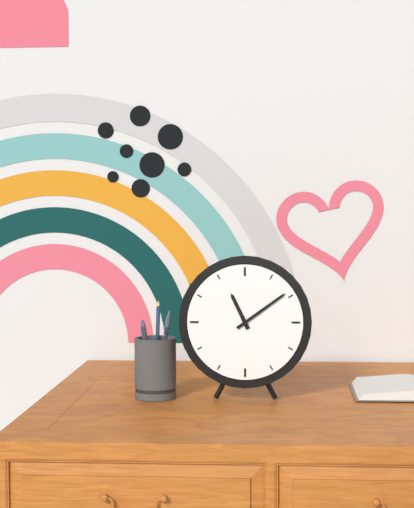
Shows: h=11 m=9
